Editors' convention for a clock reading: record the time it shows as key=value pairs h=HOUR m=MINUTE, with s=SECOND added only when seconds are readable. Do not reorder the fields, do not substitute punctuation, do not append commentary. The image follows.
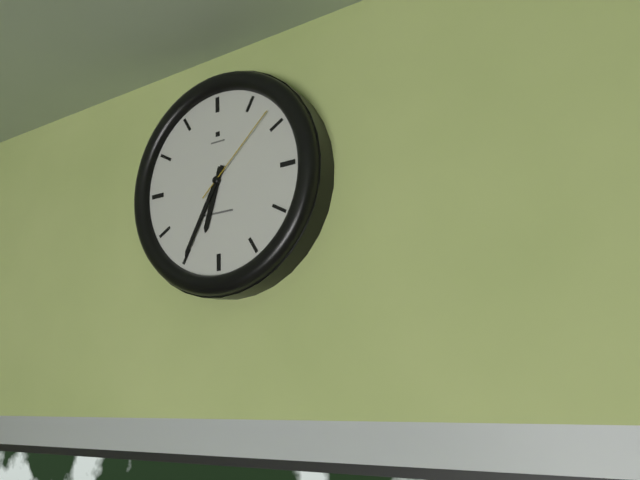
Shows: h=6 m=35 s=8
